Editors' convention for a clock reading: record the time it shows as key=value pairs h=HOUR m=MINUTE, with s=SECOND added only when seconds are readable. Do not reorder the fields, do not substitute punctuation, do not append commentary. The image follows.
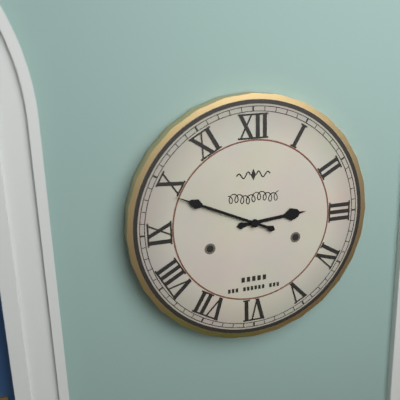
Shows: h=2 m=49
